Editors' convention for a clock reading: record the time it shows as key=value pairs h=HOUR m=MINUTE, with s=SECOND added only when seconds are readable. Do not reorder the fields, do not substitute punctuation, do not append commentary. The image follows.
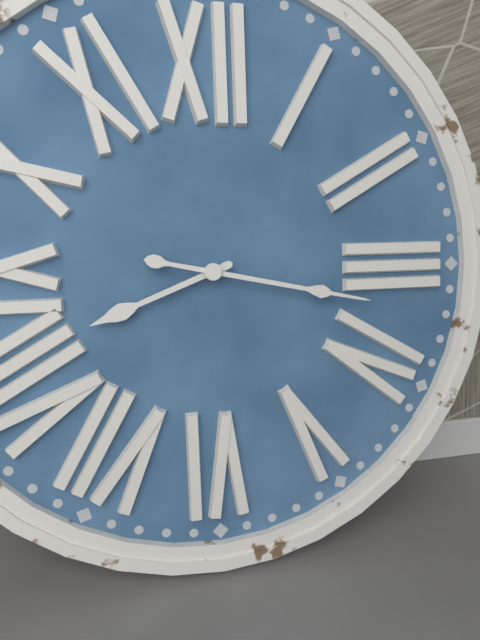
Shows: h=8 m=17
